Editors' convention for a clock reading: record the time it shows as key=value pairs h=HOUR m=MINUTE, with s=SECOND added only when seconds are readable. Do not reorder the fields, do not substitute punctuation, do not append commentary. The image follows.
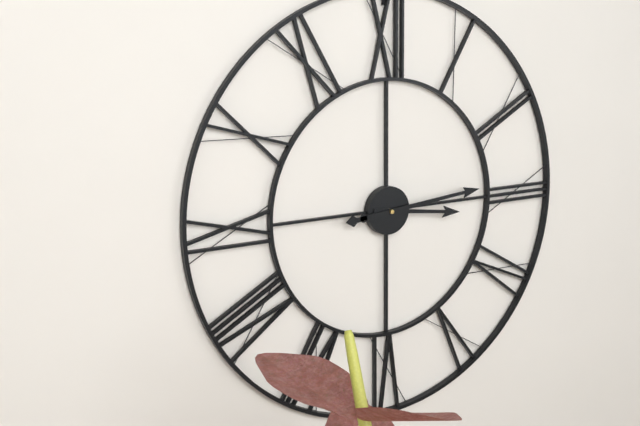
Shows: h=3 m=14
